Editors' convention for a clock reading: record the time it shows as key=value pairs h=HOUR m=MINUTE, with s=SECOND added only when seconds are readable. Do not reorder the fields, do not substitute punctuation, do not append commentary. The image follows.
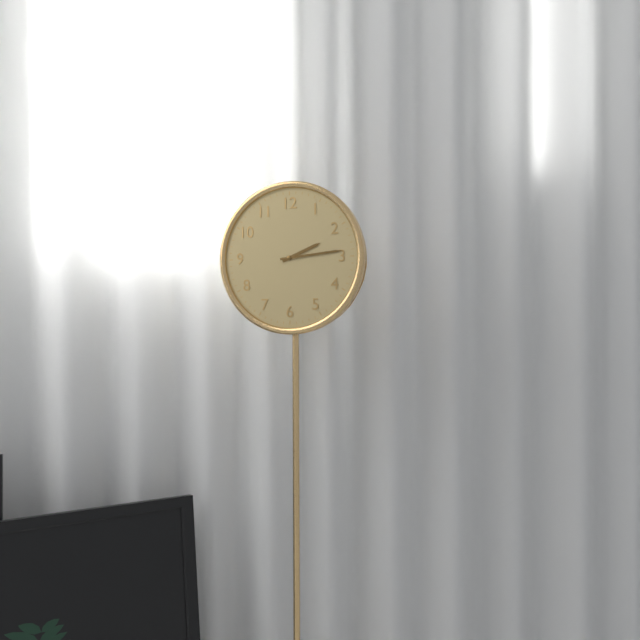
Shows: h=2 m=14
